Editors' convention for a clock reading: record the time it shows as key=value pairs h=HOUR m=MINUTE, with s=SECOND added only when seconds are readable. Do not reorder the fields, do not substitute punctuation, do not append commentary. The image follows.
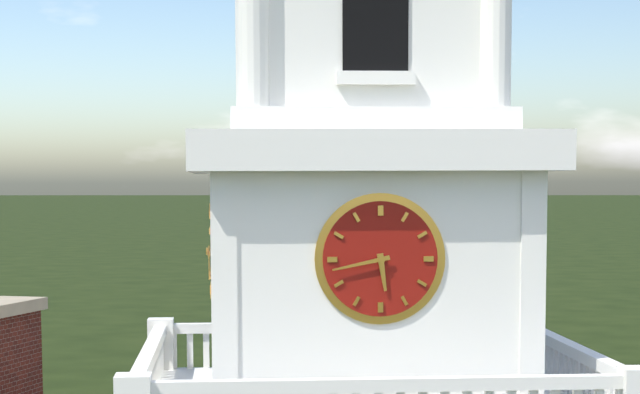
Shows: h=5 m=43
